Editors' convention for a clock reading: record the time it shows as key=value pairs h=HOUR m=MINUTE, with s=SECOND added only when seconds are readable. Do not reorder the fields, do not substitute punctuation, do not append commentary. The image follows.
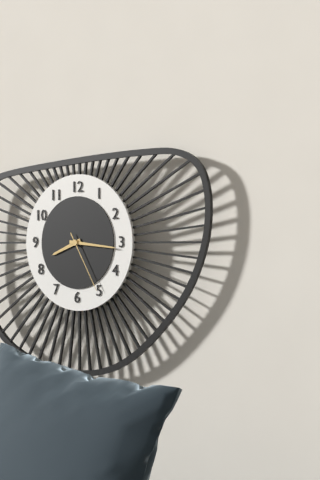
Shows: h=8 m=16 s=25
